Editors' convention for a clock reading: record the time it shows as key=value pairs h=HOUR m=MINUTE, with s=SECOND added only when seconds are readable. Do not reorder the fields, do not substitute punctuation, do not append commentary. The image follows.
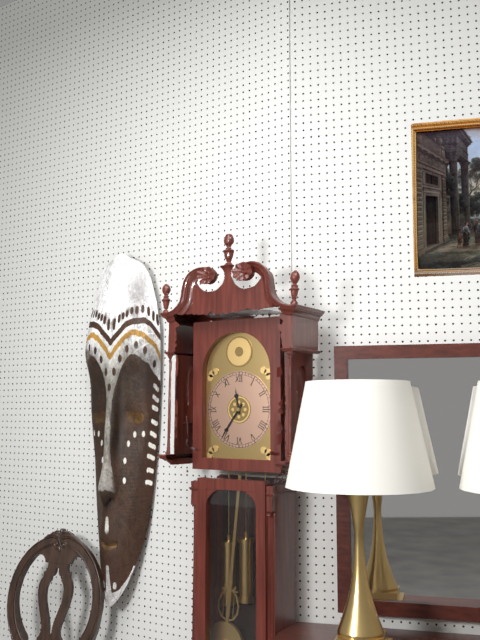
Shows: h=11 m=36
